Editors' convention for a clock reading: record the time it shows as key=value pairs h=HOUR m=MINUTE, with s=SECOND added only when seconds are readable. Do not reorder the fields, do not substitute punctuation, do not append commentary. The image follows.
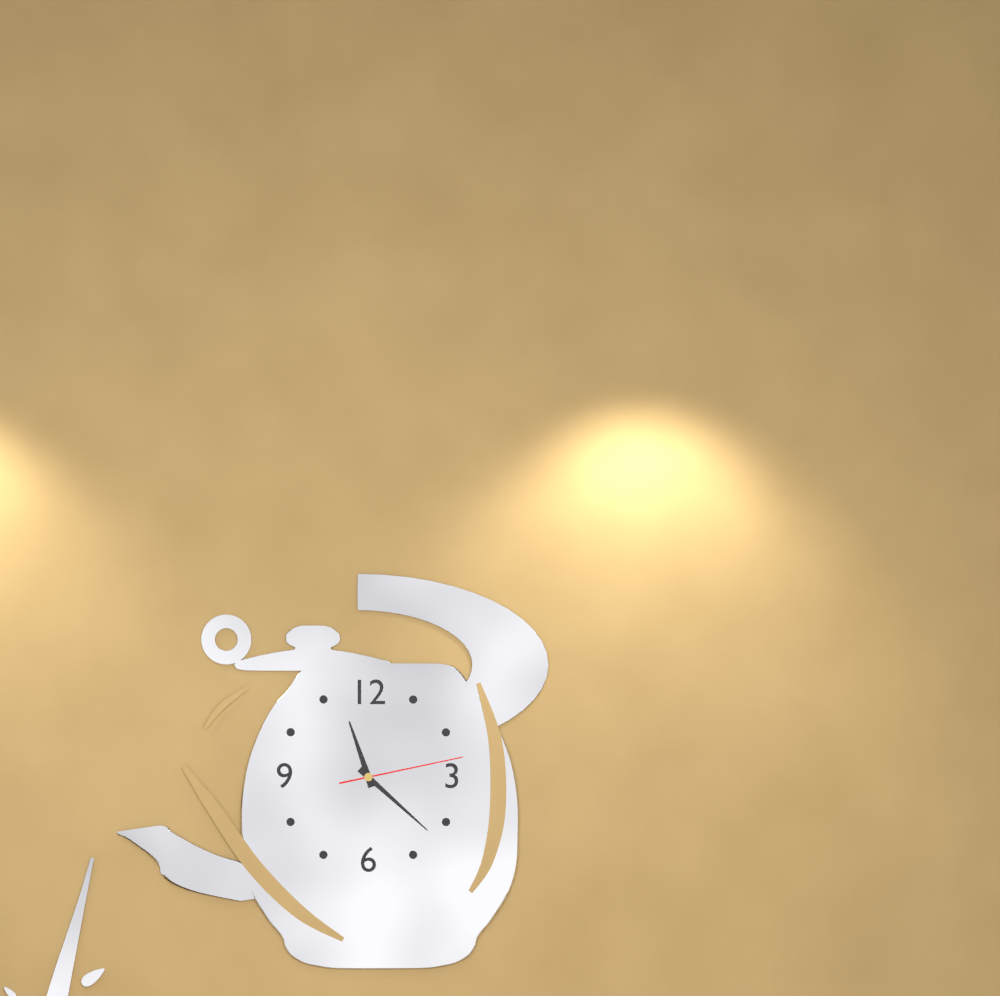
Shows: h=11 m=22 s=13
